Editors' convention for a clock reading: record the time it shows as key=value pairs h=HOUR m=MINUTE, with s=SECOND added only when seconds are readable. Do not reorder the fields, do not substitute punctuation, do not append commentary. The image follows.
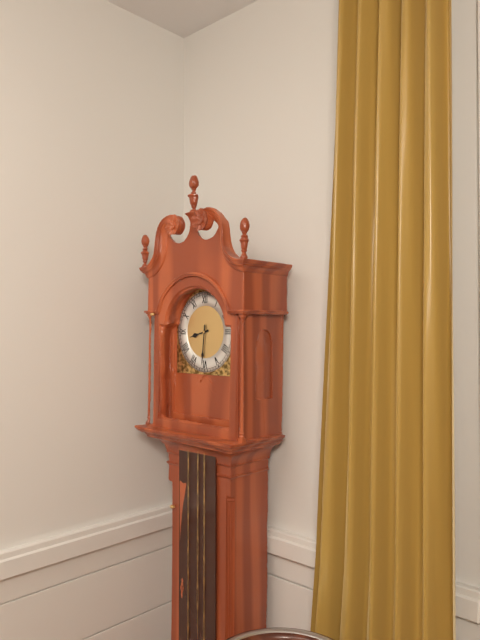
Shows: h=8 m=31
